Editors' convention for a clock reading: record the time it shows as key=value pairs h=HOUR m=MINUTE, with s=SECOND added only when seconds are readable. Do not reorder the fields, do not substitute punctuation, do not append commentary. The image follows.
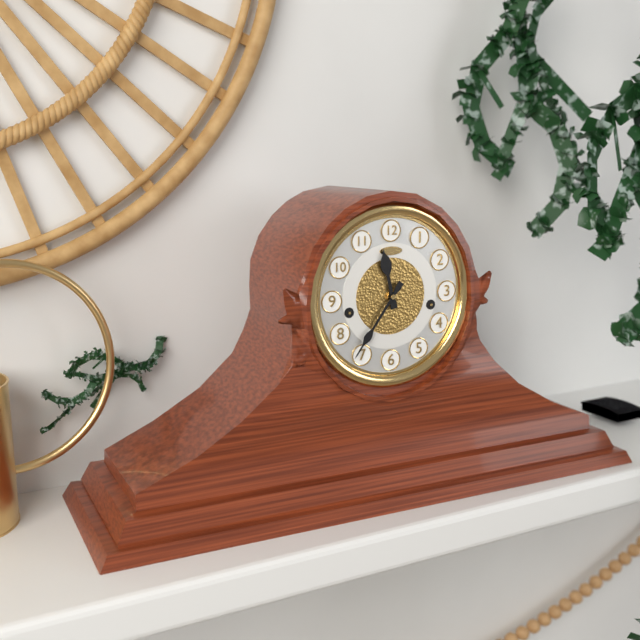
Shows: h=11 m=36
